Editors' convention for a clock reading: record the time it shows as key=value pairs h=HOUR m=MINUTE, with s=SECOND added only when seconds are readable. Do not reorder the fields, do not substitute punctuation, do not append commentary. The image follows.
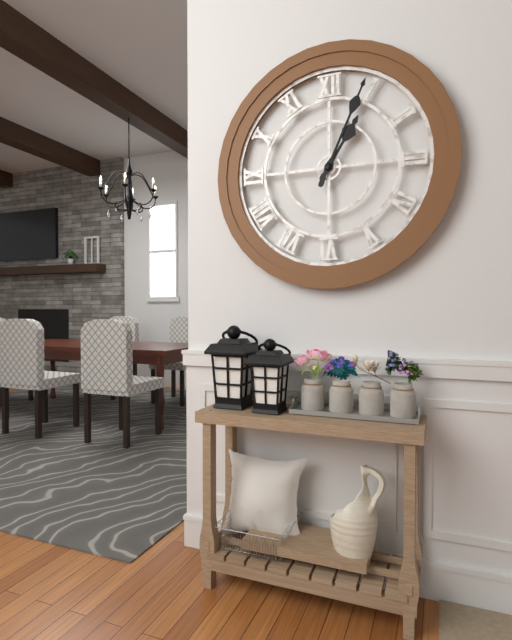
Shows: h=1 m=4
